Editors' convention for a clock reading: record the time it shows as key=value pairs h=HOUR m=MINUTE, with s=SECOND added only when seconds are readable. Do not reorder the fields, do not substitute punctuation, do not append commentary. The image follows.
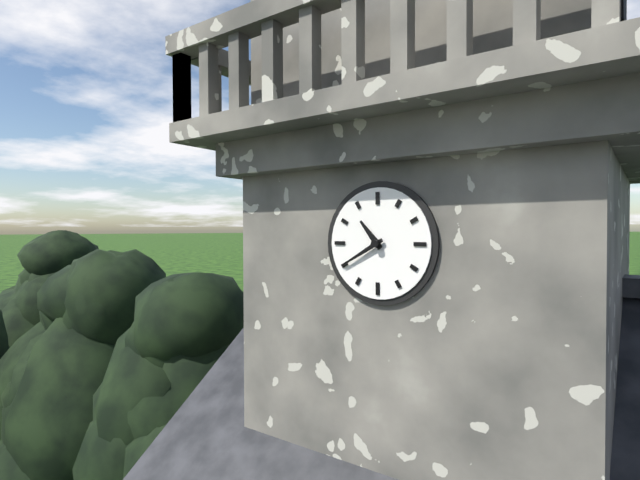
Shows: h=10 m=40
